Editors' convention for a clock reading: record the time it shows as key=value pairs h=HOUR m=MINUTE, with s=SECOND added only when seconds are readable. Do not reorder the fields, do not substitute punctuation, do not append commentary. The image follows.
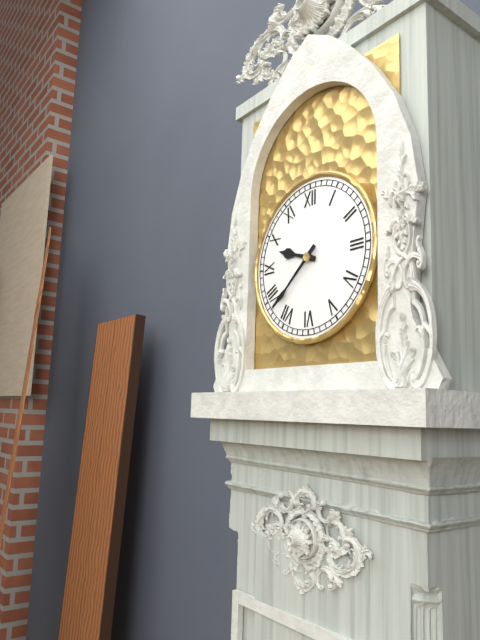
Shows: h=9 m=38
